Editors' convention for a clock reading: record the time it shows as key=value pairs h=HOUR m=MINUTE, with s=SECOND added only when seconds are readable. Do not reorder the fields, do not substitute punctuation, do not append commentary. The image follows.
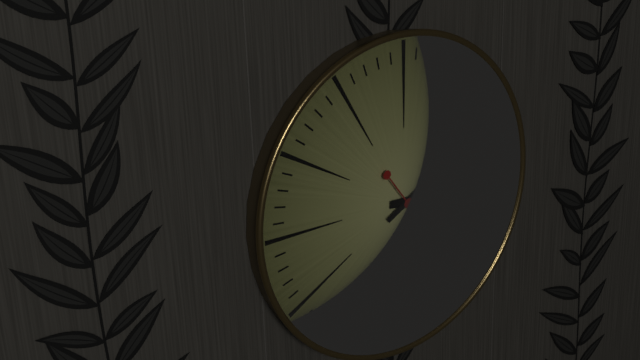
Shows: h=3 m=10 s=24
